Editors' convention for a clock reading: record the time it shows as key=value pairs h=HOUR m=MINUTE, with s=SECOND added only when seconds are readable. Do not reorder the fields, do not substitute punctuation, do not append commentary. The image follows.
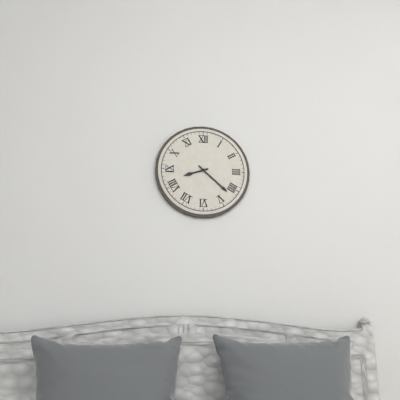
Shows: h=8 m=22
